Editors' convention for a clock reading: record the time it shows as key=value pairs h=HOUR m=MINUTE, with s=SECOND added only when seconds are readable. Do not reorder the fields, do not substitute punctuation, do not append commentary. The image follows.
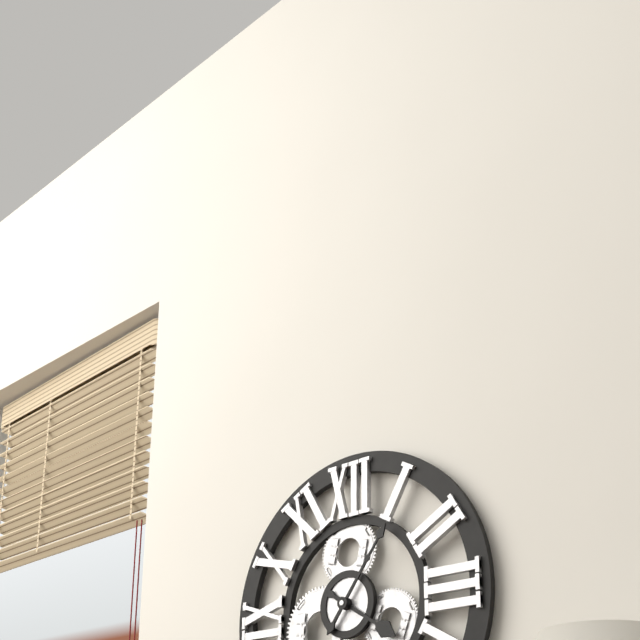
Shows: h=4 m=6
